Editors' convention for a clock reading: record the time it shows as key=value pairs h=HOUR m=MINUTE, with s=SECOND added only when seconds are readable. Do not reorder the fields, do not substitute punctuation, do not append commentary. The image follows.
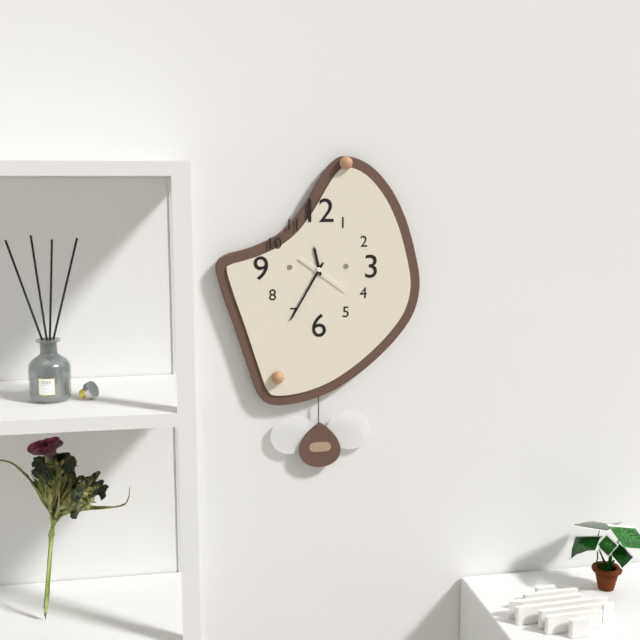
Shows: h=11 m=35
